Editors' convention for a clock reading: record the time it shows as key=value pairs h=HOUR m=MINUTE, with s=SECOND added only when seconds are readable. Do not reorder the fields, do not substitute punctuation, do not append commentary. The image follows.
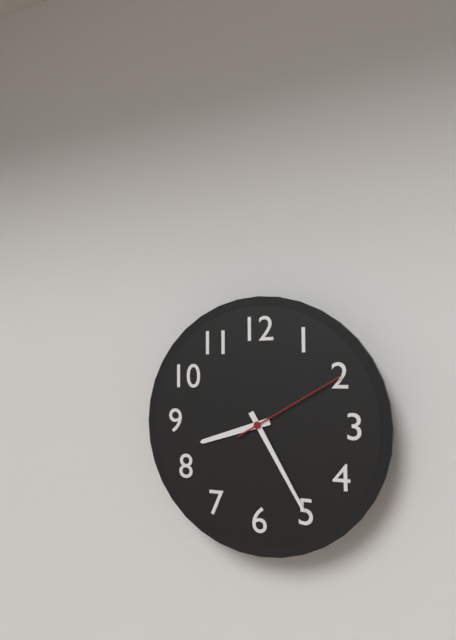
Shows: h=8 m=25 s=10
